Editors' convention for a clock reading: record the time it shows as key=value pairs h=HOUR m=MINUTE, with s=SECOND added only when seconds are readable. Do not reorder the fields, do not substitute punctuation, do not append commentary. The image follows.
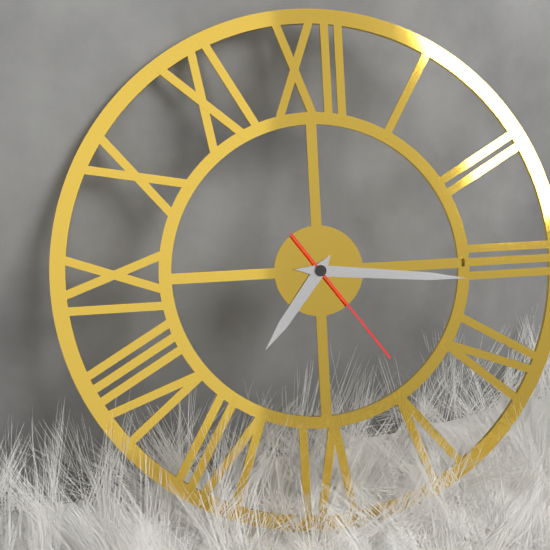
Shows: h=7 m=16 s=24
